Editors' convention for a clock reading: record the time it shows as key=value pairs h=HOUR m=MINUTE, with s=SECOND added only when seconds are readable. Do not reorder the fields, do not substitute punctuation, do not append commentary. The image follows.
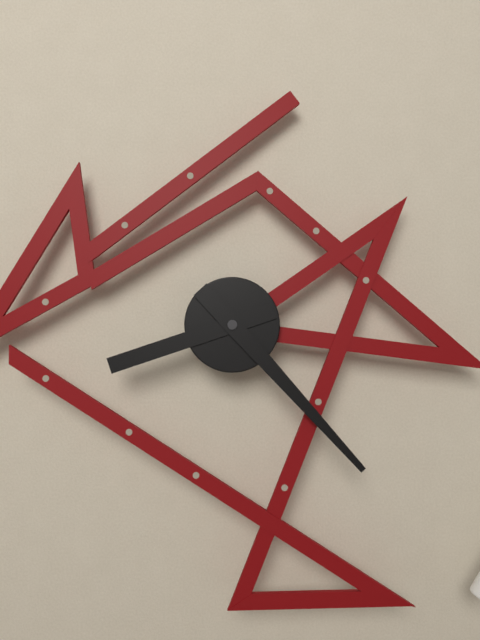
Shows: h=8 m=23
